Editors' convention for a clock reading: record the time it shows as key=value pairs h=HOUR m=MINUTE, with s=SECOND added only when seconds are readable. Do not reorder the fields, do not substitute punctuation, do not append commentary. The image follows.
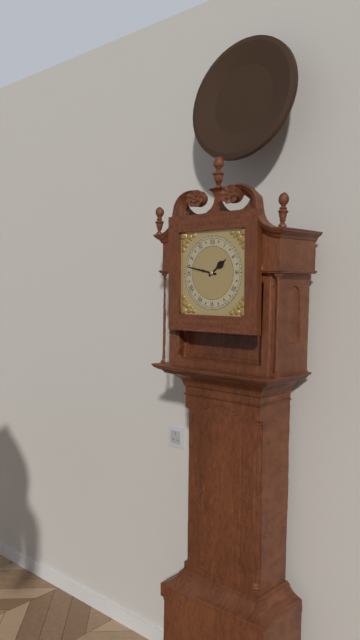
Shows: h=1 m=47
